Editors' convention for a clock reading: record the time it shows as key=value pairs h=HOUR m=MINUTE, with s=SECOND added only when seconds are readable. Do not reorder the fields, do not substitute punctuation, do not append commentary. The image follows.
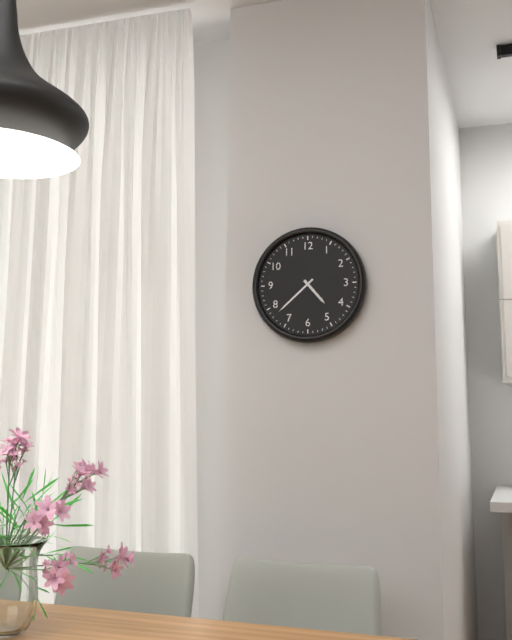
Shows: h=4 m=38
